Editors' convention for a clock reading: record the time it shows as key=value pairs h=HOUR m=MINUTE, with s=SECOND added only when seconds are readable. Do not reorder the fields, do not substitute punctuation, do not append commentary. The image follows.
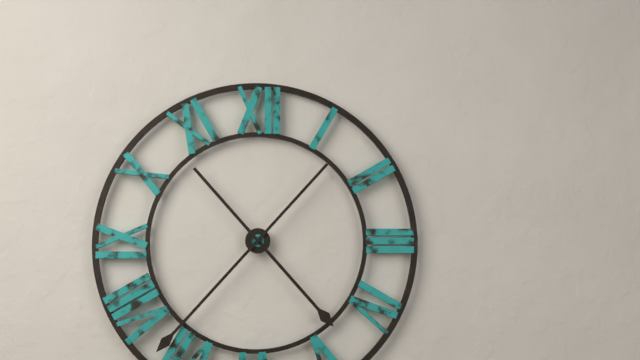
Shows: h=4 m=37
